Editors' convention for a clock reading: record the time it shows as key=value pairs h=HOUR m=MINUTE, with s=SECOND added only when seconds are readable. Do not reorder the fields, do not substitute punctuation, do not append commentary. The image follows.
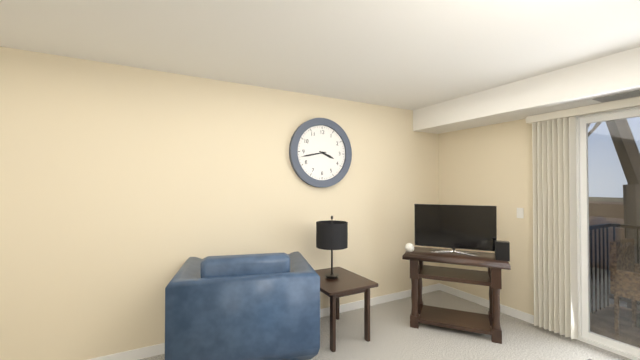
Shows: h=3 m=43
